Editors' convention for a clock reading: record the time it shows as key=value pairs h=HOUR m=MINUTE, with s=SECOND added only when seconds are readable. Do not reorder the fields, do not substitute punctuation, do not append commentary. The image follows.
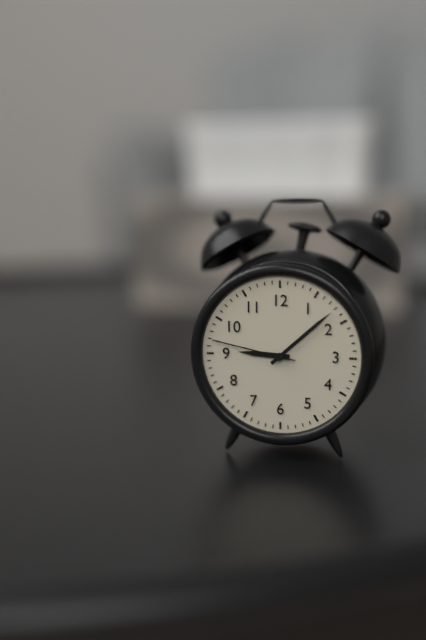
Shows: h=9 m=8 s=47
